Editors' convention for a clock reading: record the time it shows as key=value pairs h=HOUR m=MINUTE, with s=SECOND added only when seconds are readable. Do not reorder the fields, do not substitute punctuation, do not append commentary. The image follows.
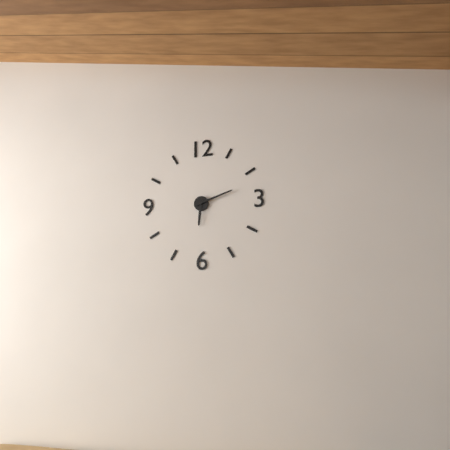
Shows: h=6 m=12
